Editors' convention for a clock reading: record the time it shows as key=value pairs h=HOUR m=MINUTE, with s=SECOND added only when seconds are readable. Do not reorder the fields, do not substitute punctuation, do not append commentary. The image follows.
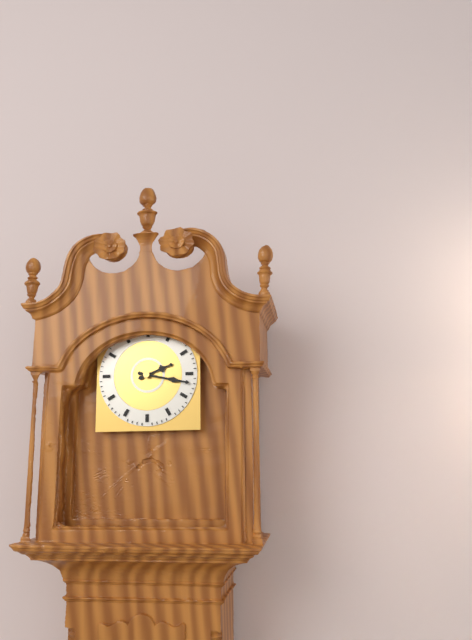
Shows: h=2 m=17
